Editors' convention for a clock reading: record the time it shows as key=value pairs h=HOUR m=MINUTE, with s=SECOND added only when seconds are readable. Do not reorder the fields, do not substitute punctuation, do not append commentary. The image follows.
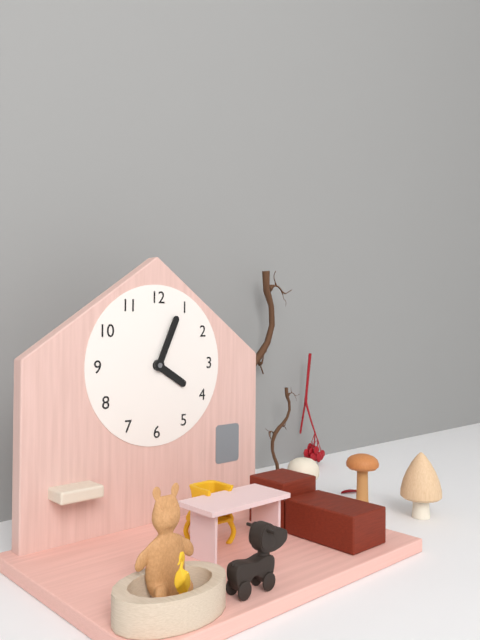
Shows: h=4 m=4
